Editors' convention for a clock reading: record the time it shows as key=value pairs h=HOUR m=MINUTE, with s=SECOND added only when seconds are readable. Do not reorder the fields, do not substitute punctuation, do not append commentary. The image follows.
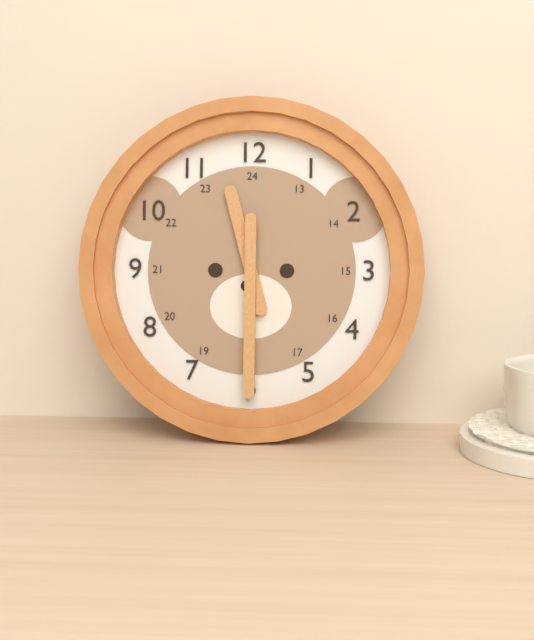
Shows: h=11 m=30
